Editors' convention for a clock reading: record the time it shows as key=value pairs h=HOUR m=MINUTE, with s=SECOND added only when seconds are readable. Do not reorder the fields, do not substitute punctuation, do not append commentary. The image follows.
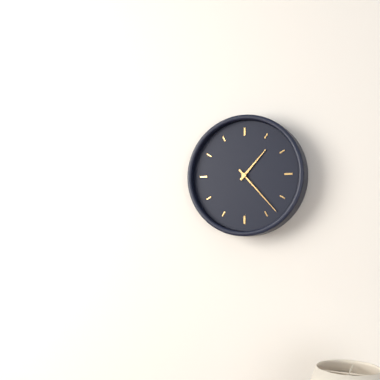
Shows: h=1 m=23
